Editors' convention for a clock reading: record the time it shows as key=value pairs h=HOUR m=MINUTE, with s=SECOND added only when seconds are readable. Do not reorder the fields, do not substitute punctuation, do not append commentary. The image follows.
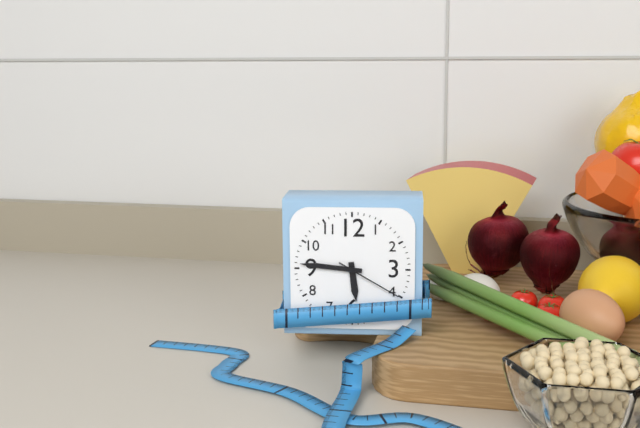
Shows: h=5 m=46 s=20
